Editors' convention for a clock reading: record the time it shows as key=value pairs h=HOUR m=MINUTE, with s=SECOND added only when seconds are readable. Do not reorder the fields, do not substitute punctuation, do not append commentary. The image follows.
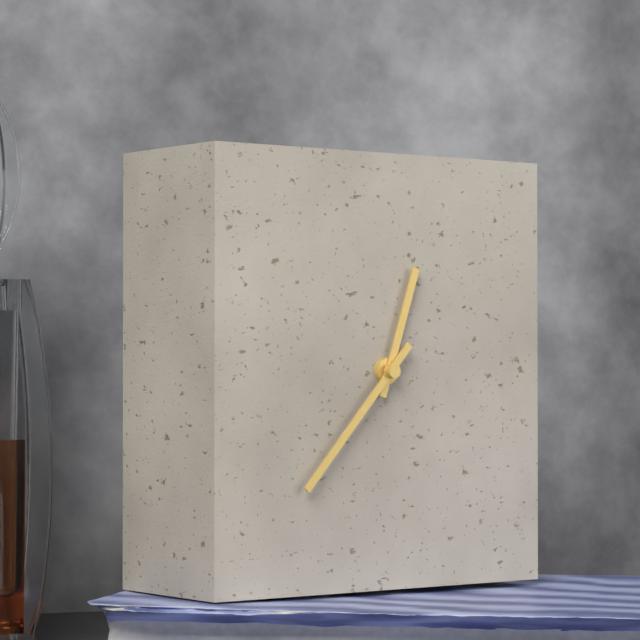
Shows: h=12 m=37
